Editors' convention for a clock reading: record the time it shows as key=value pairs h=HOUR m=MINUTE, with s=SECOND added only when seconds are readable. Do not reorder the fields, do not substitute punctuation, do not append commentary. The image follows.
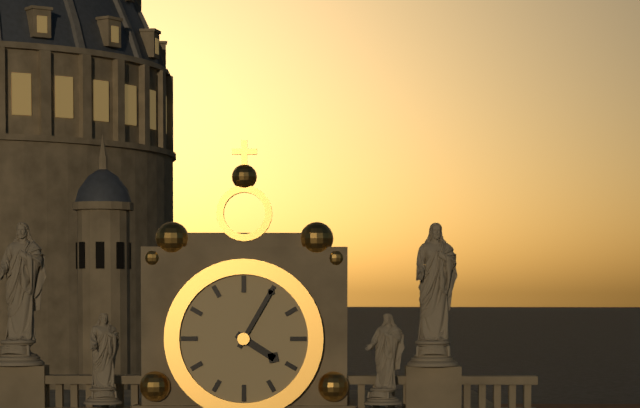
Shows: h=4 m=5
